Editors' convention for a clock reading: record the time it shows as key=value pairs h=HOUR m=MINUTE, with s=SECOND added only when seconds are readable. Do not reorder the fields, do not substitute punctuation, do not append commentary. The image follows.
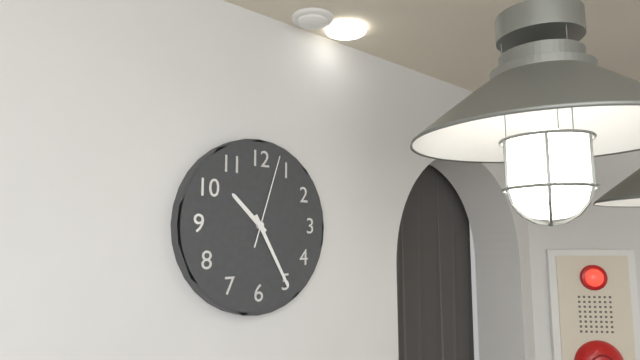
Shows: h=10 m=25 s=3
